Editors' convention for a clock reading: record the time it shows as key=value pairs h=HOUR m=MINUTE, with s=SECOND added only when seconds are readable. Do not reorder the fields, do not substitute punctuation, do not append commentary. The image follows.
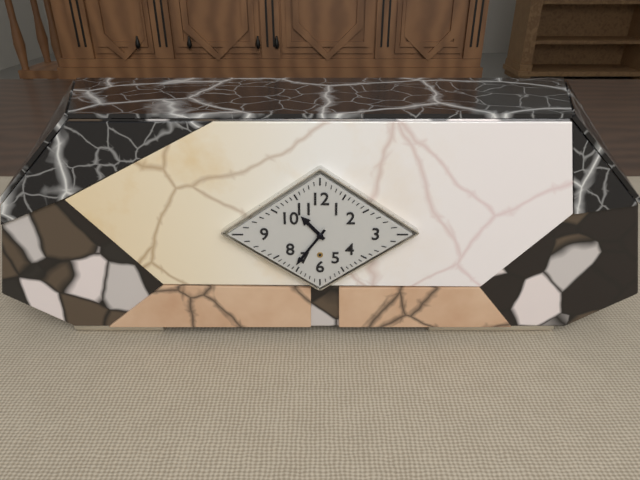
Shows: h=10 m=36
